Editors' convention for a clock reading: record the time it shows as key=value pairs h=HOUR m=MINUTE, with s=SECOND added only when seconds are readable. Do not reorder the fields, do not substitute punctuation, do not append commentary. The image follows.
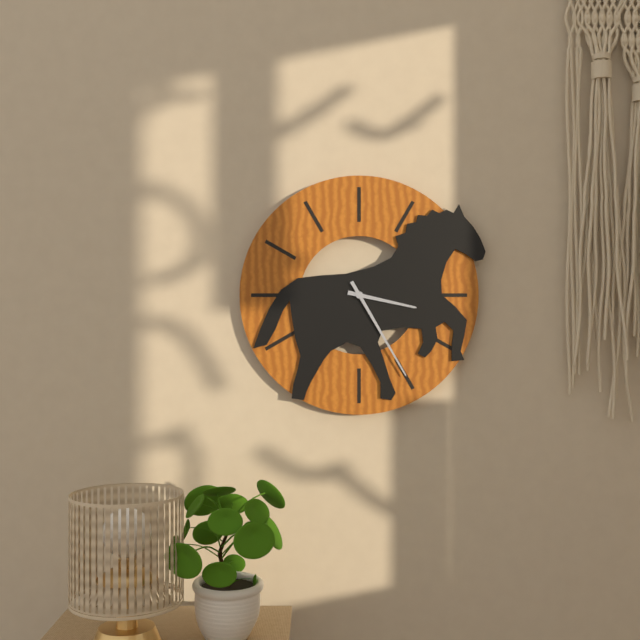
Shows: h=3 m=25
